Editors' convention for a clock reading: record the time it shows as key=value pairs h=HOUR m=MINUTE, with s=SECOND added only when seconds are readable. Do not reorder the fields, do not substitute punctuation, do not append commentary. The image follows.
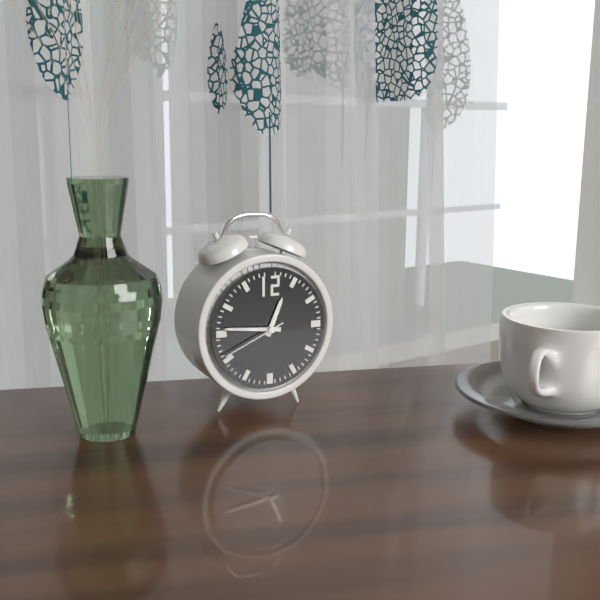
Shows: h=12 m=46 s=41
